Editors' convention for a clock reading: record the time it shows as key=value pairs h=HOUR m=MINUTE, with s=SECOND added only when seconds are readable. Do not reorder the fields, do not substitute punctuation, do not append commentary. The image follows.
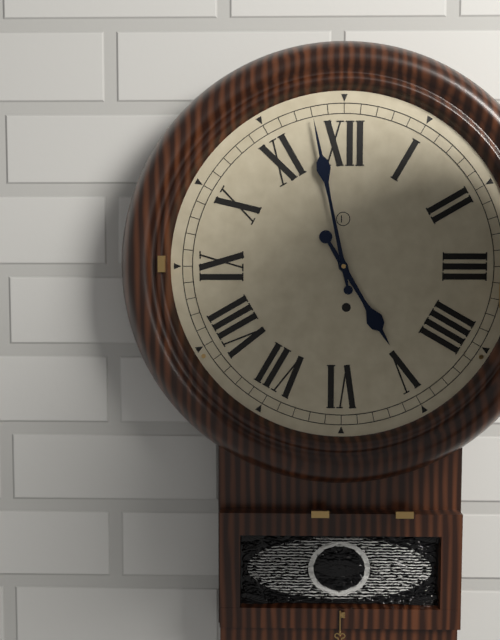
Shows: h=4 m=58
